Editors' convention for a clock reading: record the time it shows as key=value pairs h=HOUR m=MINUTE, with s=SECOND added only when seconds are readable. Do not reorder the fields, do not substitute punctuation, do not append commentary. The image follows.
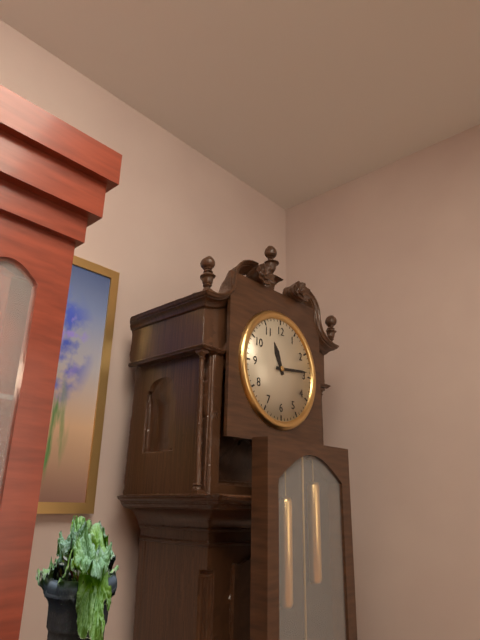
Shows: h=11 m=14
